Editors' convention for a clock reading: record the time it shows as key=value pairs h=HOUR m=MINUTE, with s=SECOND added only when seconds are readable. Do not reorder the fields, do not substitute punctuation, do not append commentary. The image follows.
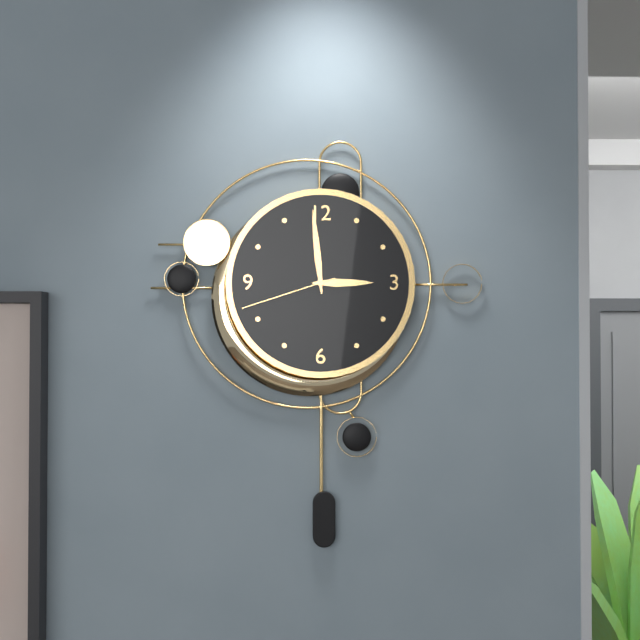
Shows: h=2 m=59 s=42
